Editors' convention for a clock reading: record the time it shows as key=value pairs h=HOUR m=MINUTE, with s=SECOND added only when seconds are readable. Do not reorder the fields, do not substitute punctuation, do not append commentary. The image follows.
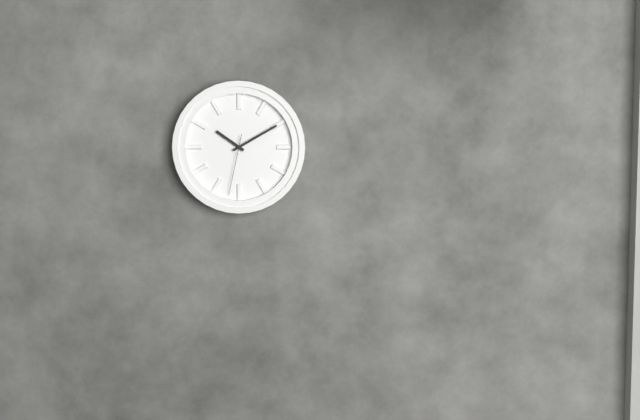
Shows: h=10 m=10 s=32
